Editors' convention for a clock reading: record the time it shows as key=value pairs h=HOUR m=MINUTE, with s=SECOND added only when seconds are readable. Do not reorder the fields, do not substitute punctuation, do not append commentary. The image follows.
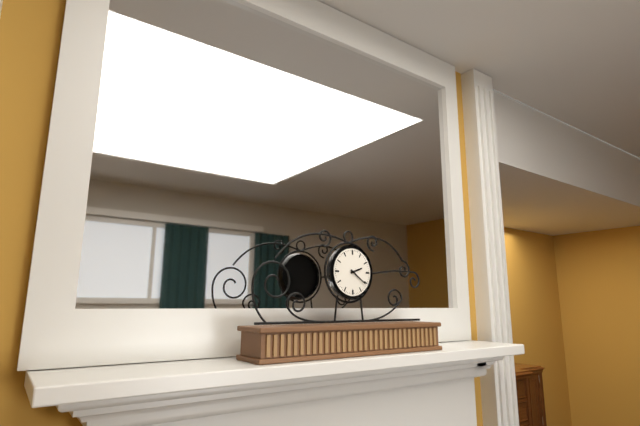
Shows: h=2 m=21
